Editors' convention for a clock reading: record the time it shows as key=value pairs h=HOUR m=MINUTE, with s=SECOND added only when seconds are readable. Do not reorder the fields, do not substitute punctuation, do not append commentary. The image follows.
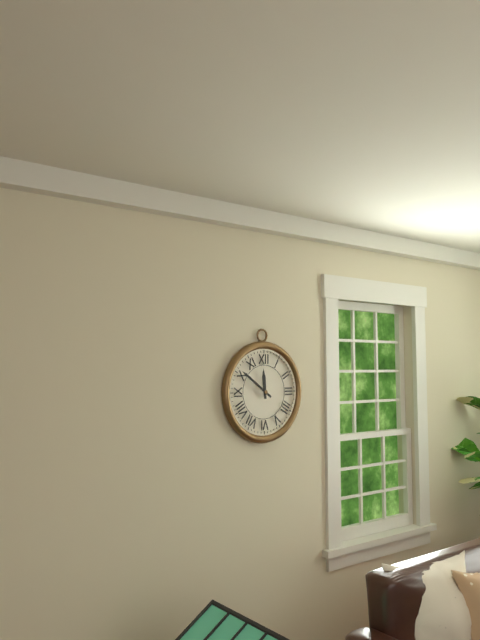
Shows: h=11 m=51
